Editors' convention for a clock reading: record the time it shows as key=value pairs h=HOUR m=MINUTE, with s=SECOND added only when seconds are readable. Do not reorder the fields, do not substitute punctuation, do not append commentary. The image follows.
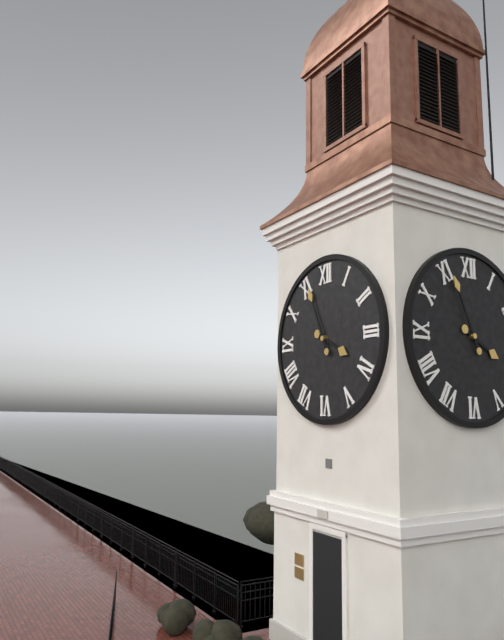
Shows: h=3 m=56
